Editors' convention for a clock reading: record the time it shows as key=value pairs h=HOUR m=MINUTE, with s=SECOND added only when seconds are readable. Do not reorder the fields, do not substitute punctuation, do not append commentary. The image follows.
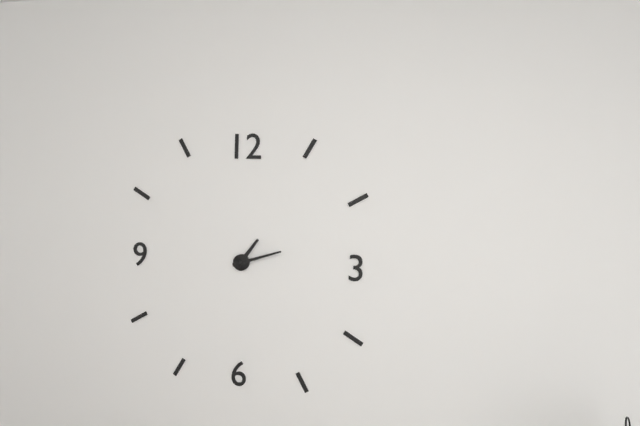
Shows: h=1 m=12
